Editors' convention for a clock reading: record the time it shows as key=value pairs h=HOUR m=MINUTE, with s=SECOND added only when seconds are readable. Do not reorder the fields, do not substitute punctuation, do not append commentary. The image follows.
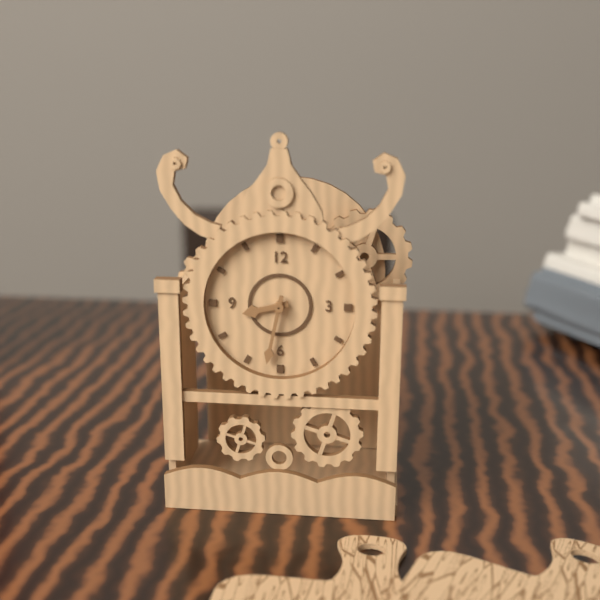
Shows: h=8 m=32
